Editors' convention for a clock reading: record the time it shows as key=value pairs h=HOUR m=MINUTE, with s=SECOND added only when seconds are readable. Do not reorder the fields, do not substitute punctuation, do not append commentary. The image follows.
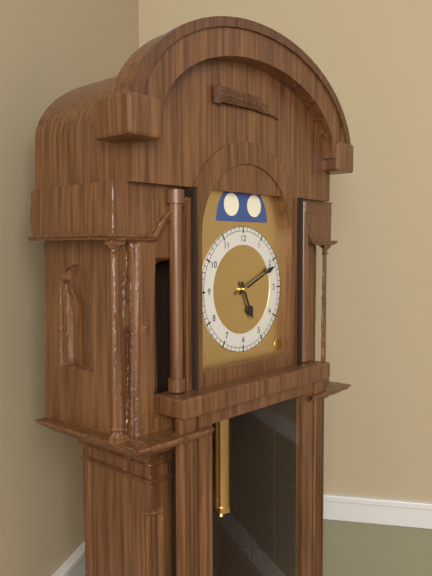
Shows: h=5 m=11
